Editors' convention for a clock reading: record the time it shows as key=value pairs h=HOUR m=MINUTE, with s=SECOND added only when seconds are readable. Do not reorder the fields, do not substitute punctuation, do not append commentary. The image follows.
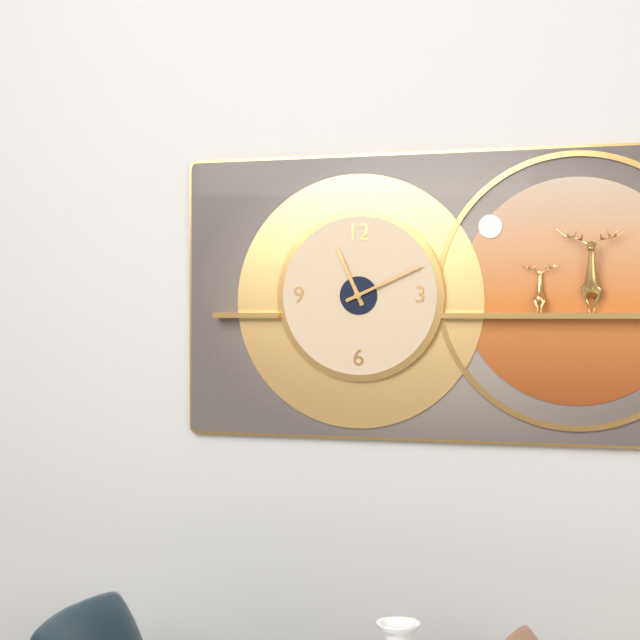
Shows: h=11 m=11
